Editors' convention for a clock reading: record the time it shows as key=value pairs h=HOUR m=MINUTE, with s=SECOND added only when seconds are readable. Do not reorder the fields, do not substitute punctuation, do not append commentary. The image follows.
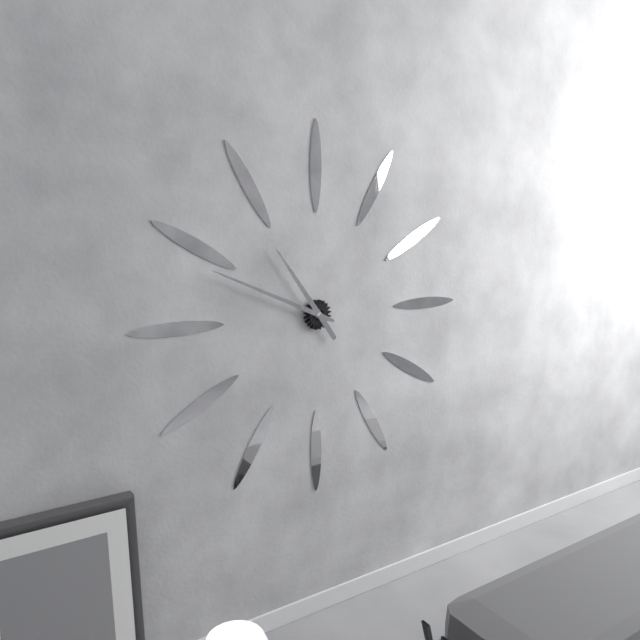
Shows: h=10 m=49
